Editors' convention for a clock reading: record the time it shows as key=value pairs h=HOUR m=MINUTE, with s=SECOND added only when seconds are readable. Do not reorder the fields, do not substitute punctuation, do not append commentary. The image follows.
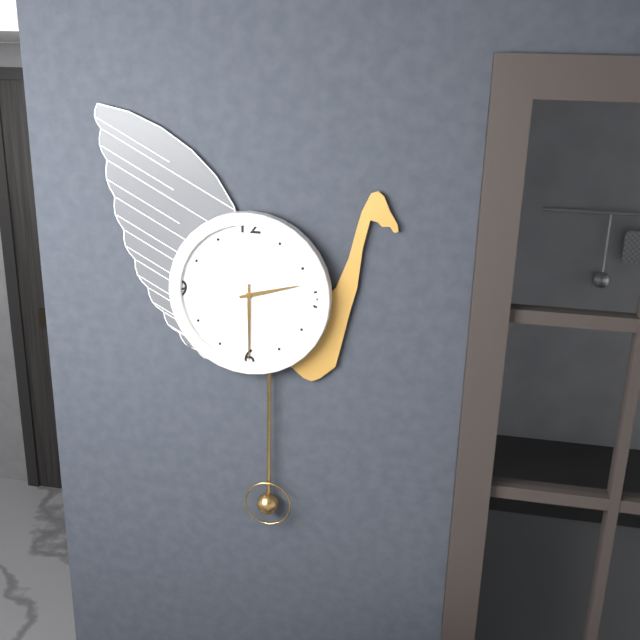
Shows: h=2 m=30
